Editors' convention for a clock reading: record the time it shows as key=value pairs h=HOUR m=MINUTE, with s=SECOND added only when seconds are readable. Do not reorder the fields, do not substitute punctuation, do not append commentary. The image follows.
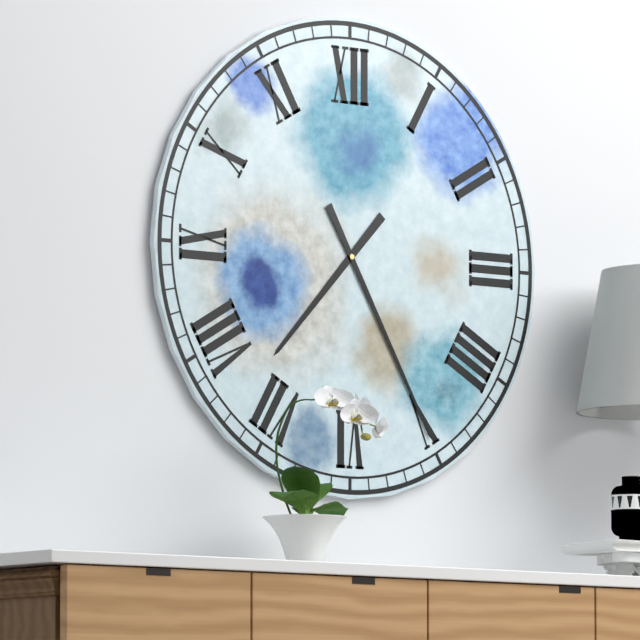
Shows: h=7 m=25
